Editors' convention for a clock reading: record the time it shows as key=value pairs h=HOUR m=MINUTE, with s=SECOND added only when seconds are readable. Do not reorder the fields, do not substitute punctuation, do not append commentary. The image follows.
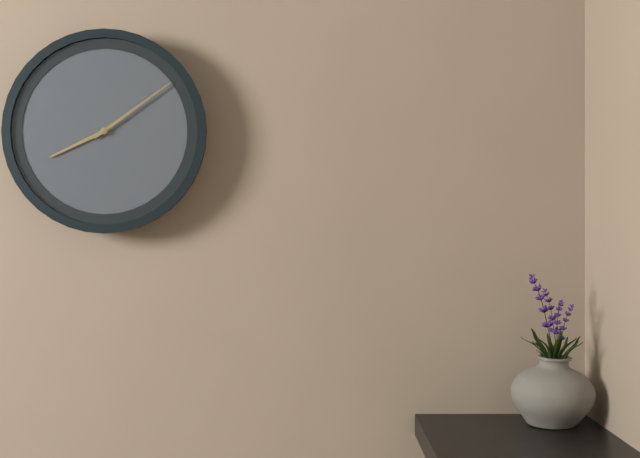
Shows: h=8 m=9
